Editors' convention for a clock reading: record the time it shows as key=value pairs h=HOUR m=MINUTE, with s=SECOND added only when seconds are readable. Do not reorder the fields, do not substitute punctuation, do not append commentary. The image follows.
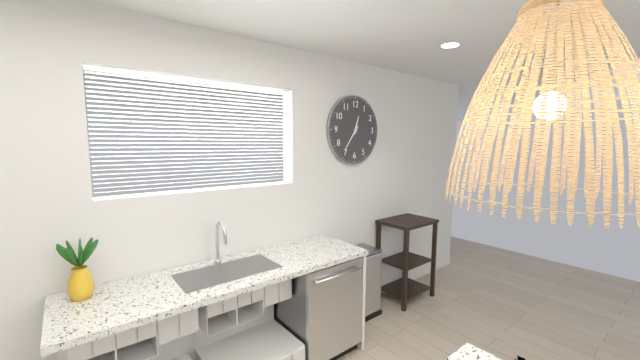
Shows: h=12 m=36
